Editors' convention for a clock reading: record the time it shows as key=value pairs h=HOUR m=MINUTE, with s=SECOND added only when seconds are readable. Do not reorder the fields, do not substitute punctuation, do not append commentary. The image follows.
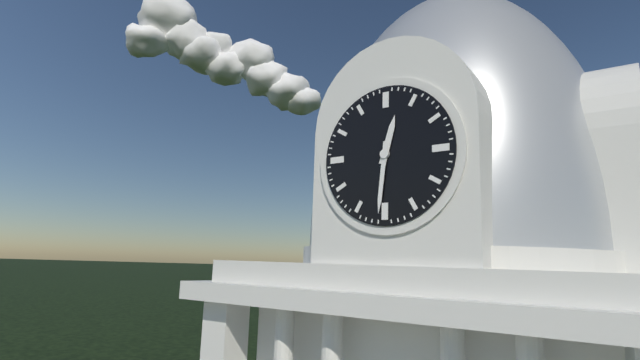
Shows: h=12 m=31
